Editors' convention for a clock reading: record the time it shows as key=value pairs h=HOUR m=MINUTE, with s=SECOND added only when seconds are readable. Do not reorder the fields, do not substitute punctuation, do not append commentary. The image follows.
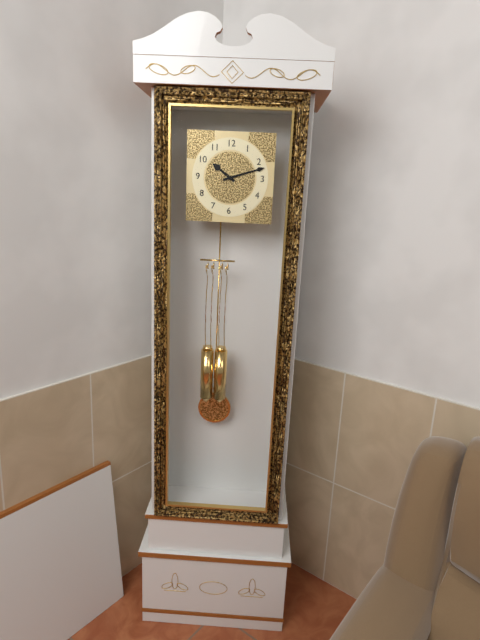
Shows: h=10 m=12
